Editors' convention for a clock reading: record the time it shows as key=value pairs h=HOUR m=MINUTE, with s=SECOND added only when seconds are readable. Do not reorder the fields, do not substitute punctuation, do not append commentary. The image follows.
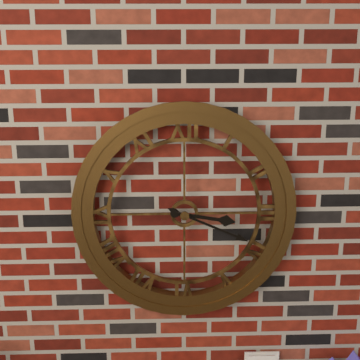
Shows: h=3 m=19
